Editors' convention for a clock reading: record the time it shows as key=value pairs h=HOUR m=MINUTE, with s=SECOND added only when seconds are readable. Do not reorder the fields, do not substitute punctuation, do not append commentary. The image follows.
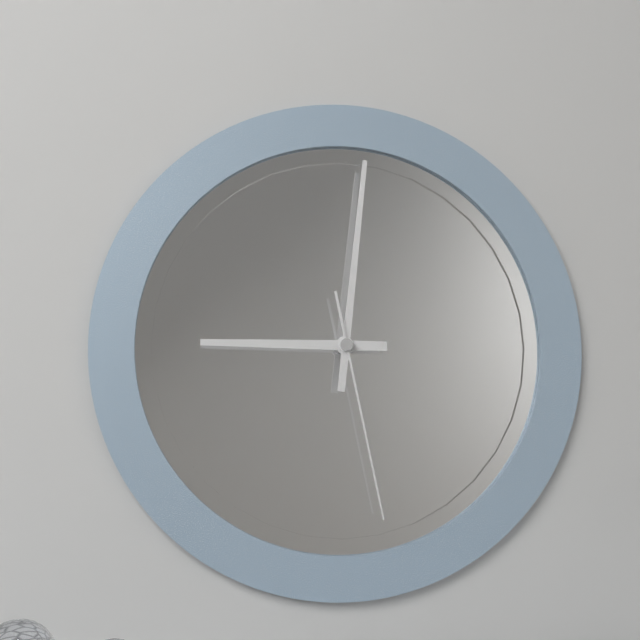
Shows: h=9 m=1 s=28
